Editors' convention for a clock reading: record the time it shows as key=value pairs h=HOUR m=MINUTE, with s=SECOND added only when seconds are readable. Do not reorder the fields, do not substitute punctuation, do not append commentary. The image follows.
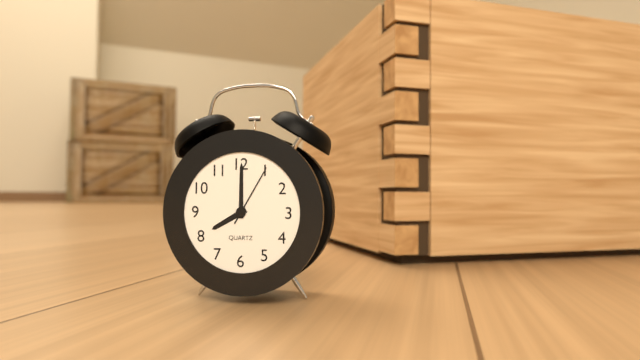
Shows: h=8 m=0 s=5
